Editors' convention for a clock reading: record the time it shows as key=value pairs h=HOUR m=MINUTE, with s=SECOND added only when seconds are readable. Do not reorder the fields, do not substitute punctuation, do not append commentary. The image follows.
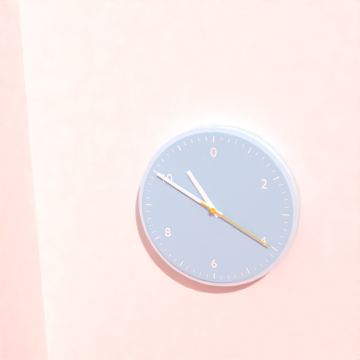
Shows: h=10 m=50 s=20
